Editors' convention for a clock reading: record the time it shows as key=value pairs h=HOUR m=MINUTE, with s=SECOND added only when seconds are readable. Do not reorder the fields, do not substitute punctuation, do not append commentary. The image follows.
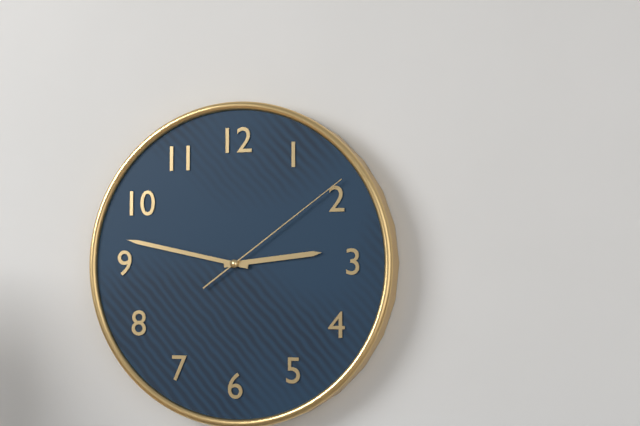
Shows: h=2 m=47 s=9
